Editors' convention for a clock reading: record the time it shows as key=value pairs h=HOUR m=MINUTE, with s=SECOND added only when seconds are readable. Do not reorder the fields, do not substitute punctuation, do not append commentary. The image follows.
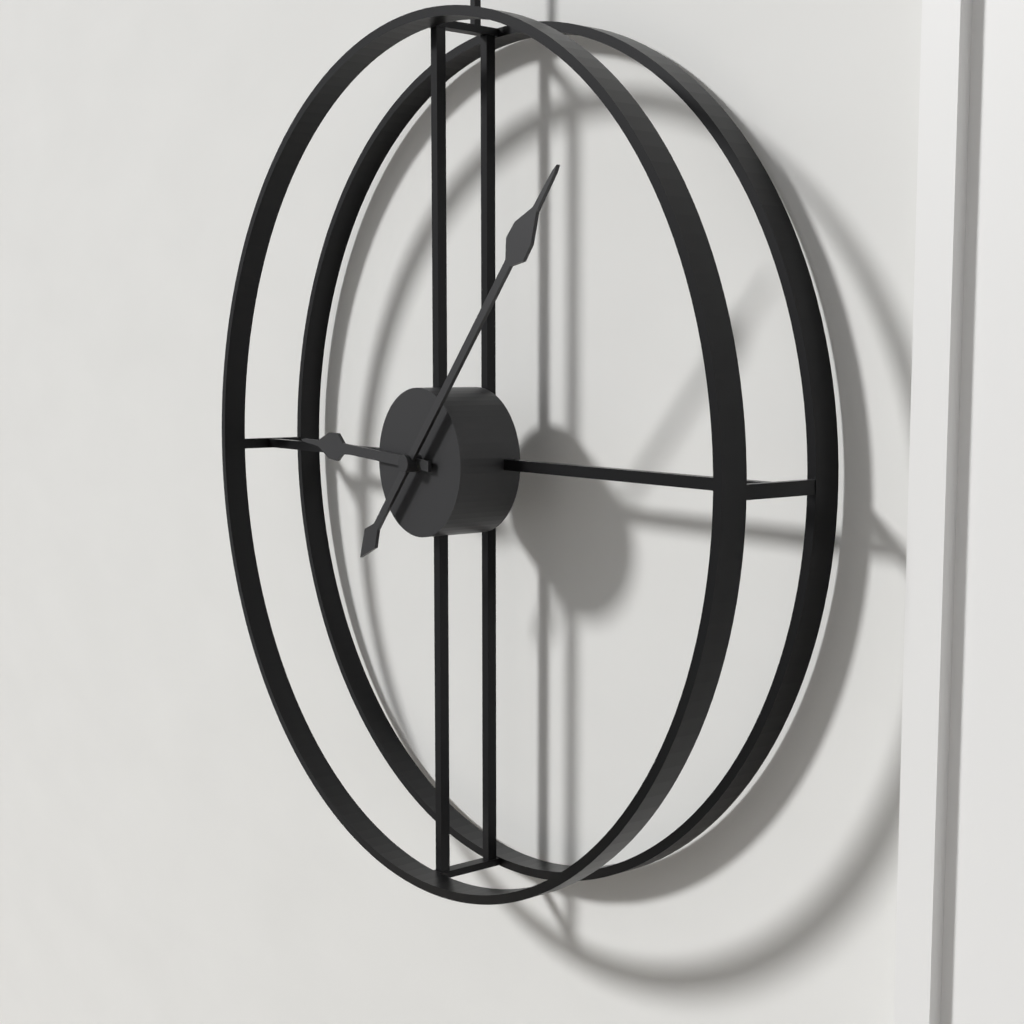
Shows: h=9 m=7
